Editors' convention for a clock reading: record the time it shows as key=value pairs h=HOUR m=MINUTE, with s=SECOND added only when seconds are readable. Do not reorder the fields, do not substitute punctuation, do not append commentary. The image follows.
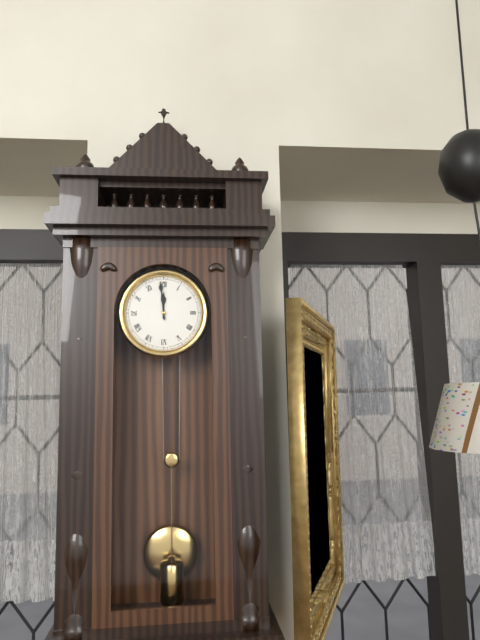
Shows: h=11 m=59
